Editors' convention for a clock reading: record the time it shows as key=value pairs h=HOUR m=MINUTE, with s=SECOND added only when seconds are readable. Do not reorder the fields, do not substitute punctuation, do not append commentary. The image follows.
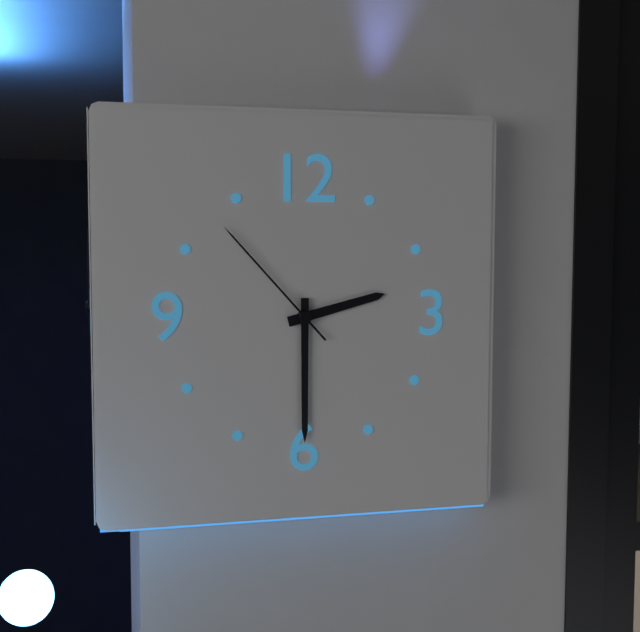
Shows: h=2 m=30 s=53
